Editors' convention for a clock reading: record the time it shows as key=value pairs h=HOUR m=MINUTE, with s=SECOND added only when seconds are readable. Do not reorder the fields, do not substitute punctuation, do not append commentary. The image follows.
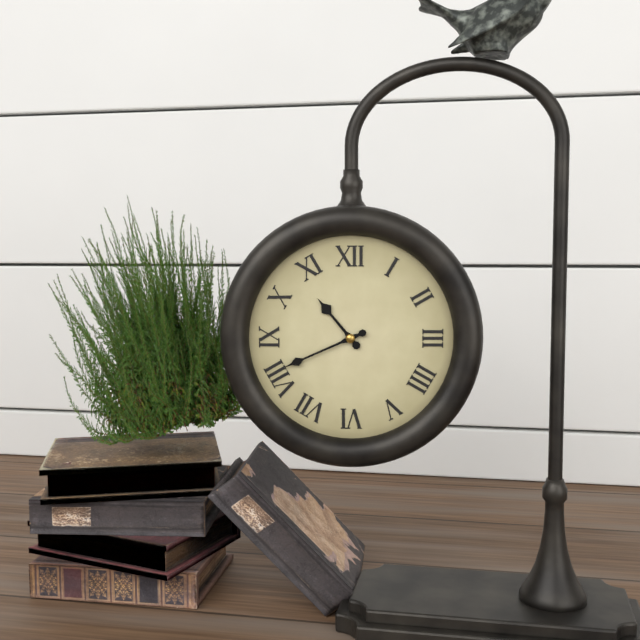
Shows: h=10 m=41
